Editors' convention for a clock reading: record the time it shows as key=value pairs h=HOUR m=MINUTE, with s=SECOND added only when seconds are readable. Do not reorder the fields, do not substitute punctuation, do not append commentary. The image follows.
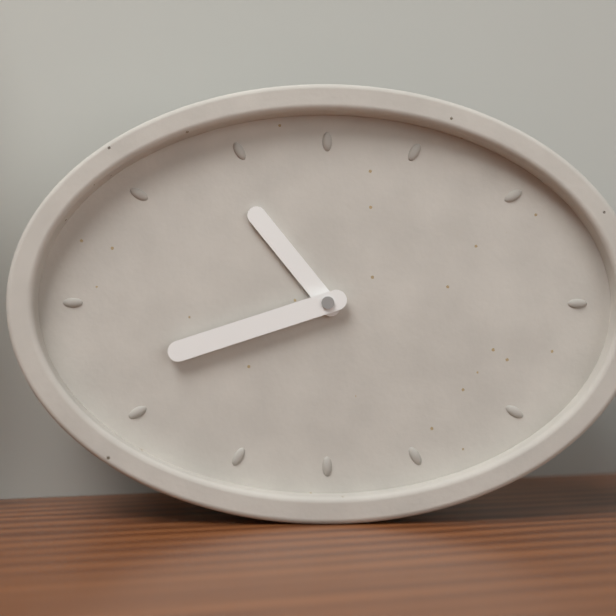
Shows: h=10 m=42
